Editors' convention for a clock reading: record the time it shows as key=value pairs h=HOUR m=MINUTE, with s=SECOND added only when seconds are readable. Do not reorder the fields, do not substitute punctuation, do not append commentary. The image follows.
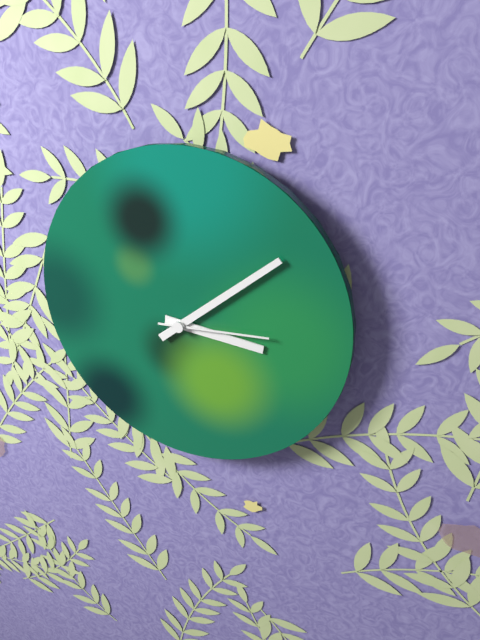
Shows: h=3 m=8 s=14
